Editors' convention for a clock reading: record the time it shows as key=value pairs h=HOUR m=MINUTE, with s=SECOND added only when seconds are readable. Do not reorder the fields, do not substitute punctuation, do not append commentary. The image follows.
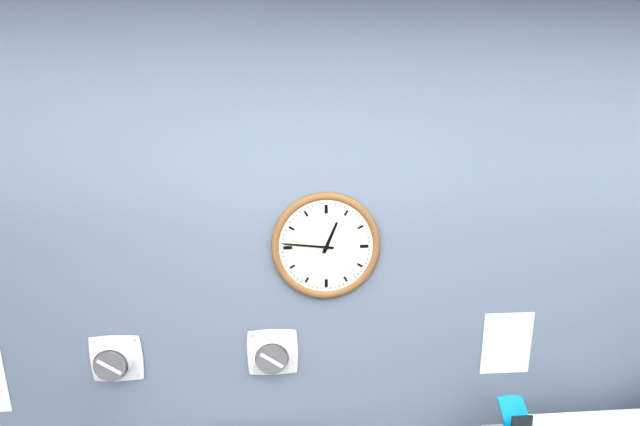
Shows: h=12 m=46
